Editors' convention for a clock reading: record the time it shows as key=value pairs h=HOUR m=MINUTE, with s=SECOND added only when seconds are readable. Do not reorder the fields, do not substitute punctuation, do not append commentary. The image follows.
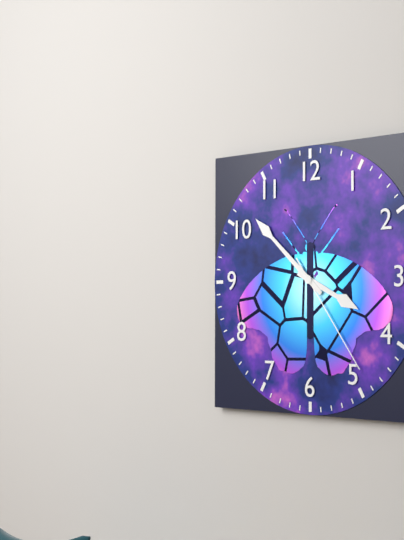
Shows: h=3 m=52 s=24
